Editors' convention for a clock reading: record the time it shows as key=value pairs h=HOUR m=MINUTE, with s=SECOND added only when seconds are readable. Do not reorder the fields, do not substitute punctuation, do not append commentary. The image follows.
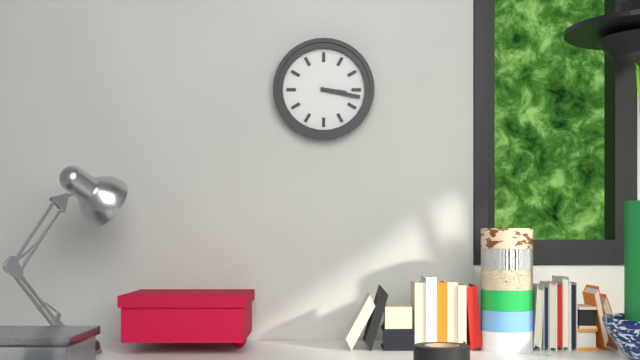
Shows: h=3 m=17
